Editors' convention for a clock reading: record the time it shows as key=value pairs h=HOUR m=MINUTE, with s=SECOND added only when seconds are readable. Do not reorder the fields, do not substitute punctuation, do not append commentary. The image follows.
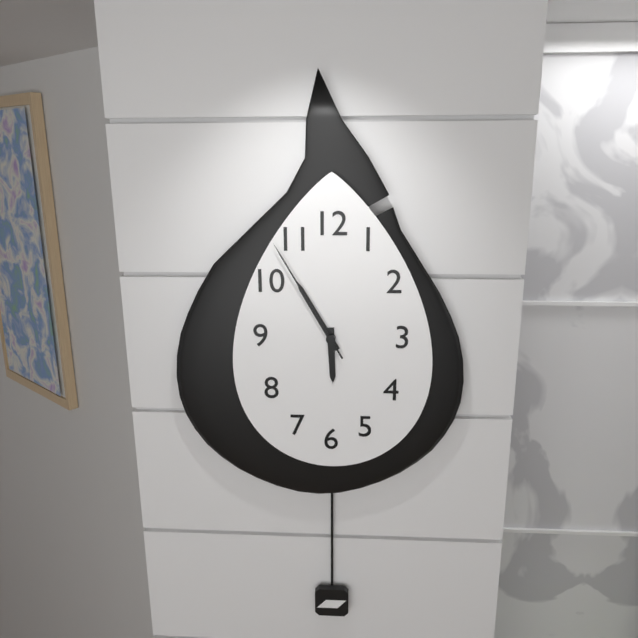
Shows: h=5 m=55 s=55
